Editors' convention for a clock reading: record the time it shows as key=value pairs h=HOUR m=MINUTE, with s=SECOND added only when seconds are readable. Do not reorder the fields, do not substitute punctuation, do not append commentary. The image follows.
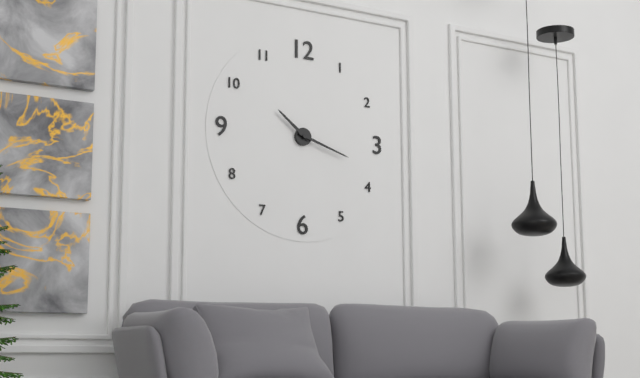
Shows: h=10 m=18
